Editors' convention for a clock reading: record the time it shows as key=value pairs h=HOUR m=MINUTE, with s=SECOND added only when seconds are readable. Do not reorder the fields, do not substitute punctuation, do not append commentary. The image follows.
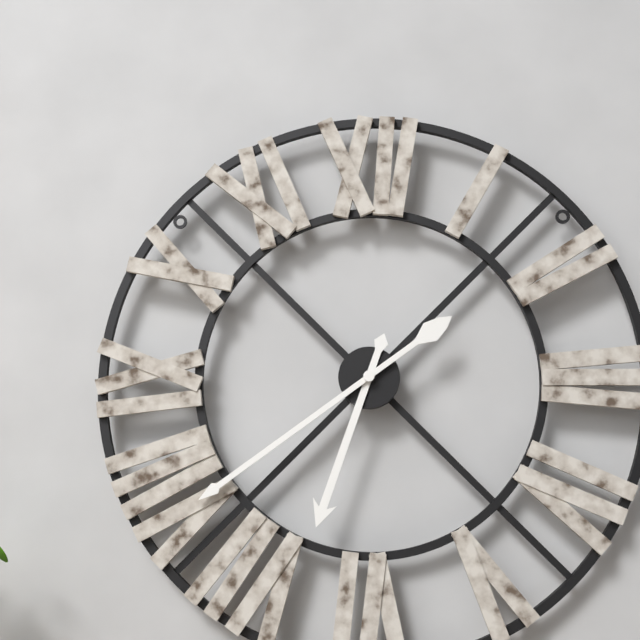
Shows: h=6 m=39
